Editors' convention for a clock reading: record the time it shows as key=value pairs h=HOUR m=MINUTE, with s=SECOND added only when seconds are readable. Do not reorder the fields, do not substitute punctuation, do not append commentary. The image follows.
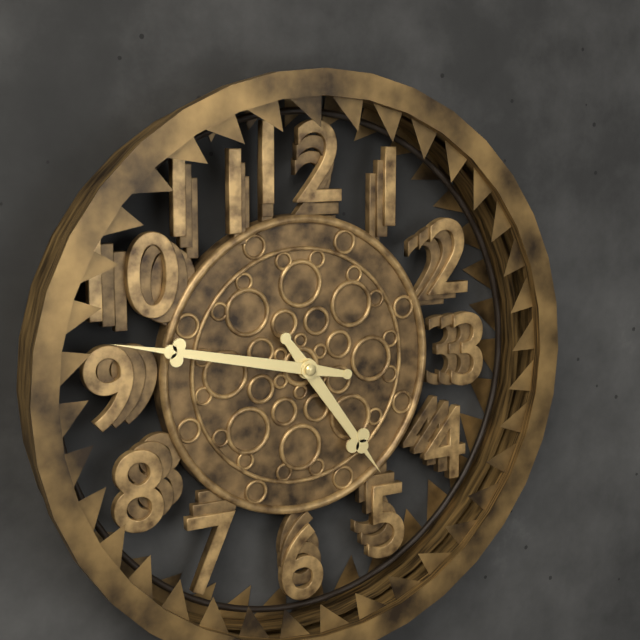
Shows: h=4 m=47
